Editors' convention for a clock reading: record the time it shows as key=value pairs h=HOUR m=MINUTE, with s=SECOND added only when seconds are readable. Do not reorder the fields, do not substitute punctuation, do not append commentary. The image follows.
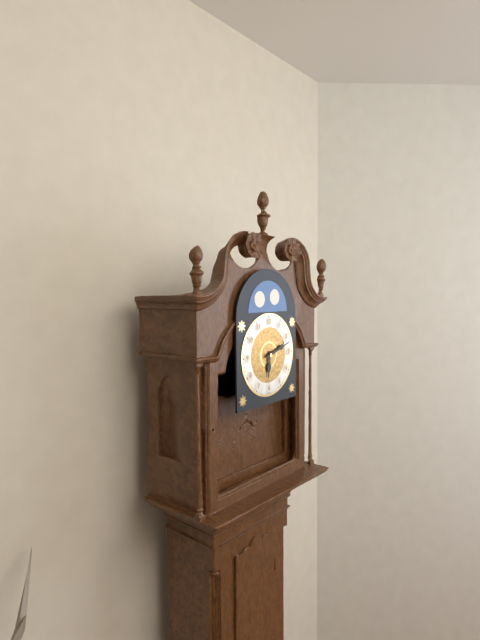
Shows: h=6 m=12
